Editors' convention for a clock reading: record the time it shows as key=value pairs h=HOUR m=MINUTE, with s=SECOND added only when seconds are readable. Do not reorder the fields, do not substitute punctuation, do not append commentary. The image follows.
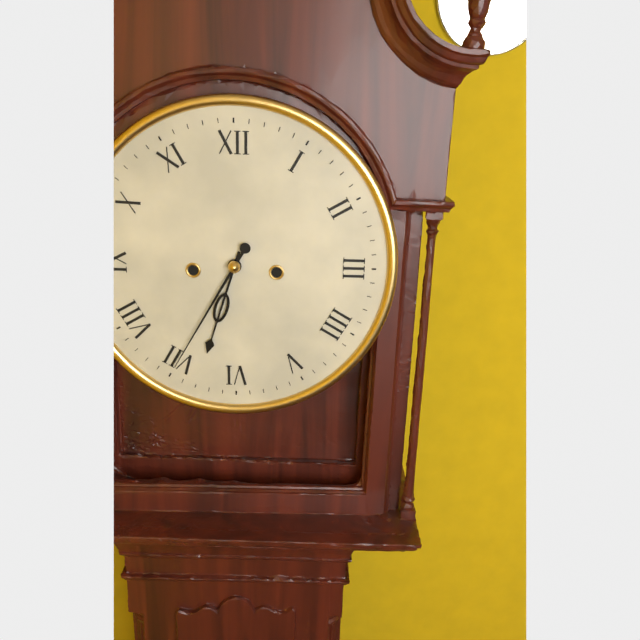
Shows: h=6 m=35
